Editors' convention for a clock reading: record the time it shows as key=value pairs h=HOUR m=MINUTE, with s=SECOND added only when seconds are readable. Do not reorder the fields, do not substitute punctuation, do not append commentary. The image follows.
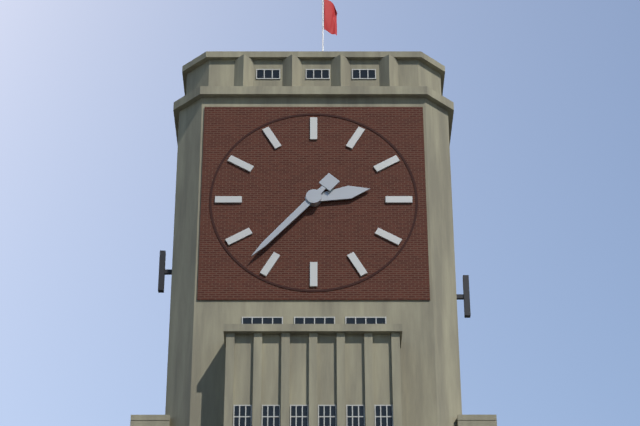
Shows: h=2 m=37
